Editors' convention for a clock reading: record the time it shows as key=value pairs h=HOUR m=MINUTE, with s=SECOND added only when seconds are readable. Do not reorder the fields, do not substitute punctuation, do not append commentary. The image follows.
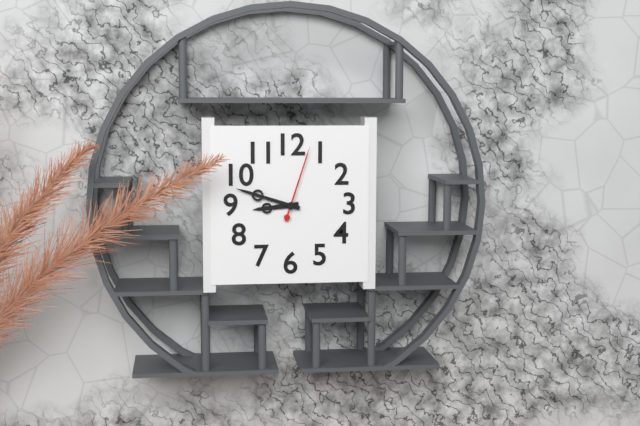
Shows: h=8 m=48 s=3
